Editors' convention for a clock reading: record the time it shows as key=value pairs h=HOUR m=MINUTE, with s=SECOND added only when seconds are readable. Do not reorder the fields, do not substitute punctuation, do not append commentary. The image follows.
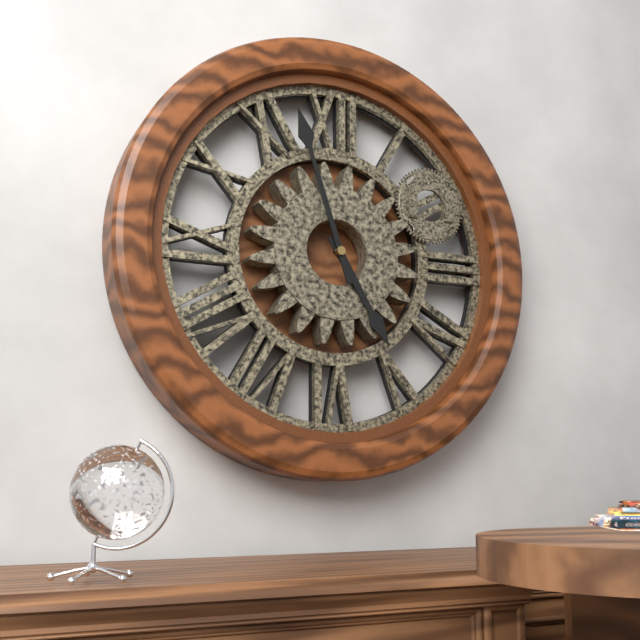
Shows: h=4 m=57
